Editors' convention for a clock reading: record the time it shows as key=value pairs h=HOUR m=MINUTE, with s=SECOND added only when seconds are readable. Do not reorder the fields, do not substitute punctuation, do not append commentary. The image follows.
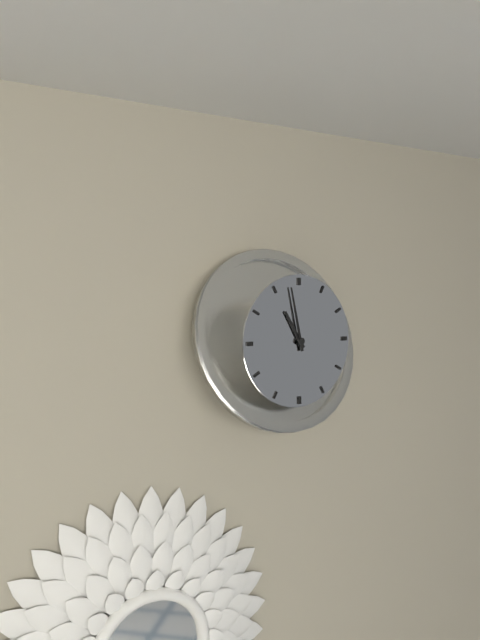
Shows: h=10 m=58
